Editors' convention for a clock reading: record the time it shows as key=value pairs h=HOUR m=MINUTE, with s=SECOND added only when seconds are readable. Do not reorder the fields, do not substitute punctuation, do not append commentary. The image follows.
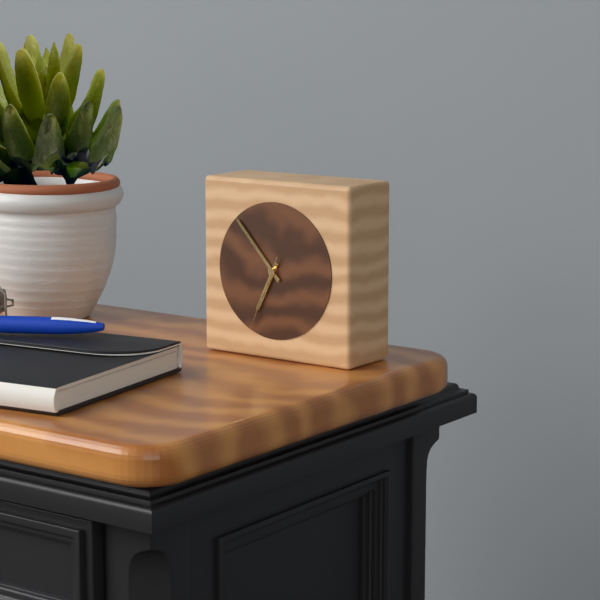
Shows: h=6 m=53 s=34
